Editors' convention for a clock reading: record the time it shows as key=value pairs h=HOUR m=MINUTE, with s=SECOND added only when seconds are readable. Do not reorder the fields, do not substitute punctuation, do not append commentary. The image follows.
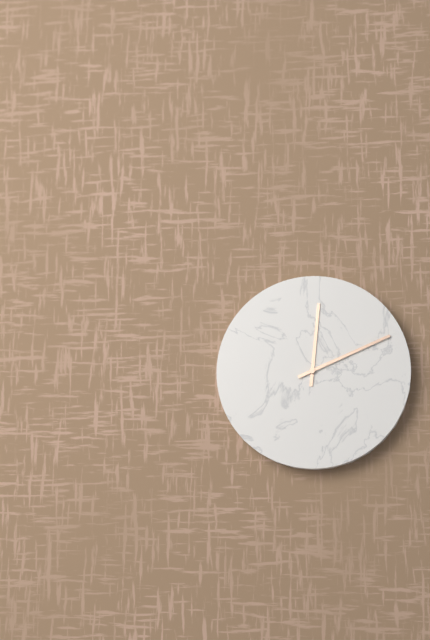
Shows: h=12 m=11
